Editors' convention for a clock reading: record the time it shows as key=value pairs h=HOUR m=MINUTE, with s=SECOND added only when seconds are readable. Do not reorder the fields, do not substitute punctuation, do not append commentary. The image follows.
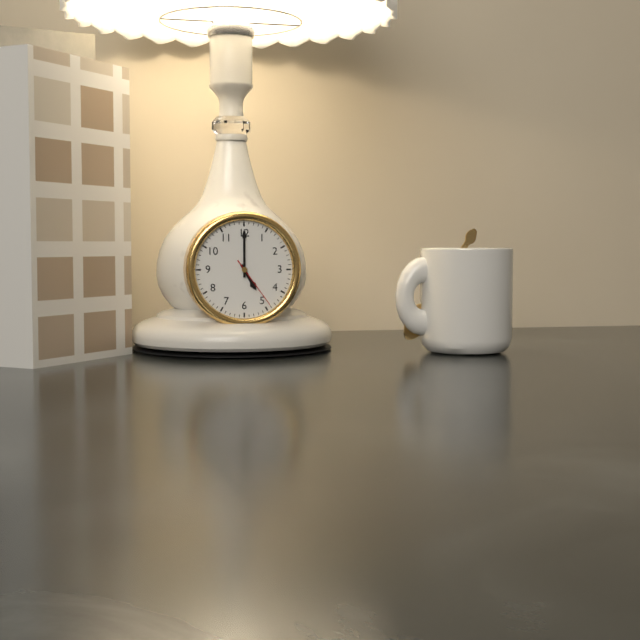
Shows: h=5 m=0 s=24
